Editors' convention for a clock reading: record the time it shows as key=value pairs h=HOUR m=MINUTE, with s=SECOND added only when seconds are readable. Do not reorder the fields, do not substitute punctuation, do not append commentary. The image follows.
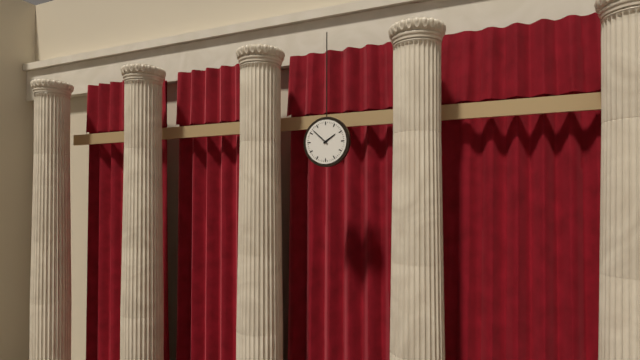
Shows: h=1 m=52
